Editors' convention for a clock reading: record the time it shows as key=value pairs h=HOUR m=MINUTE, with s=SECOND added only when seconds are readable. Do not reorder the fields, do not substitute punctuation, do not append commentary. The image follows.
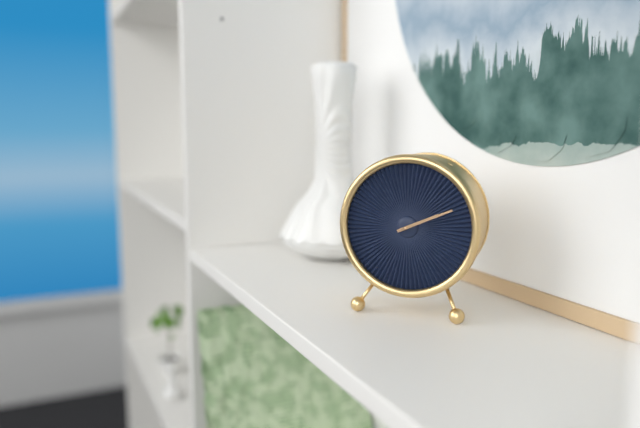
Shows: h=2 m=11
